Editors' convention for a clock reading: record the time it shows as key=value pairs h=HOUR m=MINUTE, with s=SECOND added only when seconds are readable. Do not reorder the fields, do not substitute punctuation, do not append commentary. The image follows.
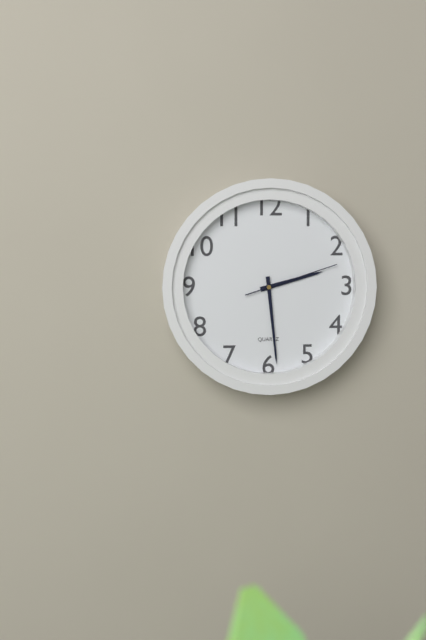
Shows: h=2 m=29 s=12
